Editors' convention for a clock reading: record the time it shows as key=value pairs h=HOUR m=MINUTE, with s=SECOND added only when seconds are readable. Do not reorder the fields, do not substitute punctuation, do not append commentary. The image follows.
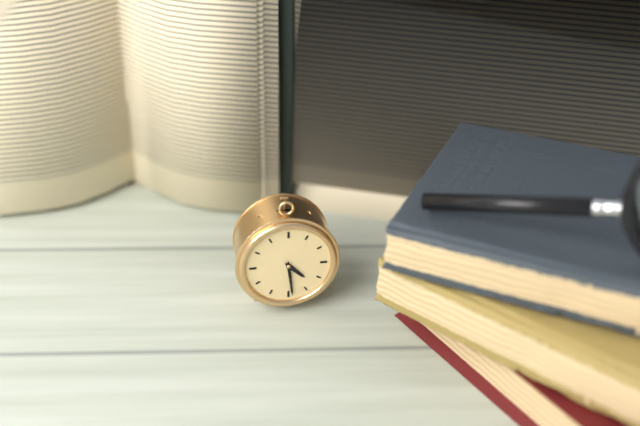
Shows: h=4 m=29
